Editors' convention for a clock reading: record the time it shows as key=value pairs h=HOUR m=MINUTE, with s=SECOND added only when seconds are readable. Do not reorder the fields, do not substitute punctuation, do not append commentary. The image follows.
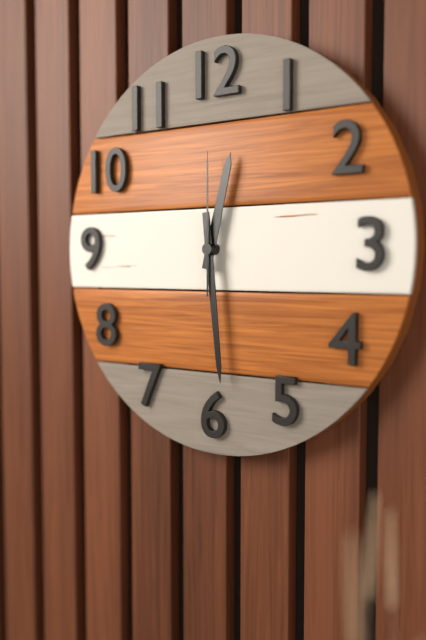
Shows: h=12 m=29 s=0
